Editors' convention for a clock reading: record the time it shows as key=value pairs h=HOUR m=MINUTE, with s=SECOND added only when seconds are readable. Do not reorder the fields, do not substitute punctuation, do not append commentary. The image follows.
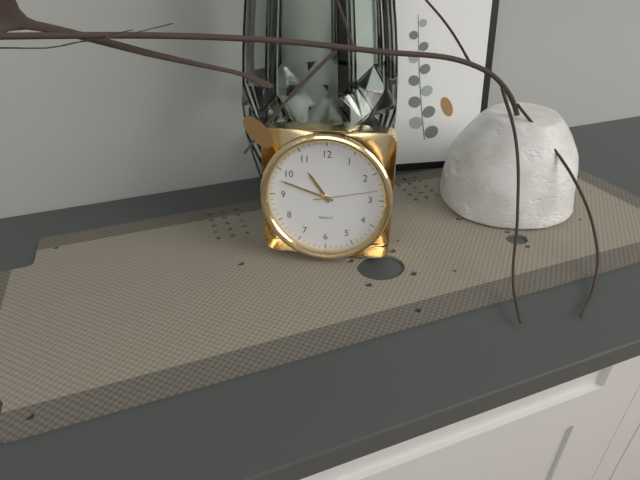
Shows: h=10 m=48 s=13
